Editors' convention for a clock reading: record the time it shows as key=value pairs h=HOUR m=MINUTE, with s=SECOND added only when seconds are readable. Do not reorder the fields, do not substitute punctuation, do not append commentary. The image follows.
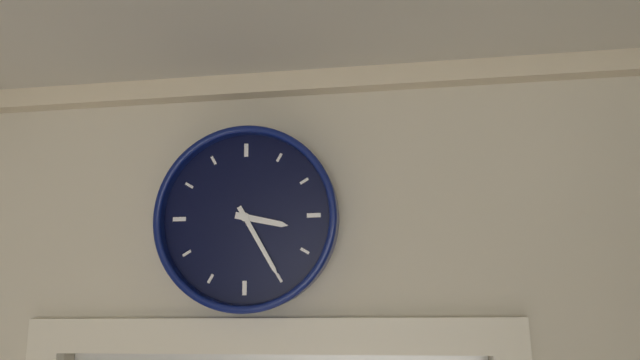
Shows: h=3 m=25
